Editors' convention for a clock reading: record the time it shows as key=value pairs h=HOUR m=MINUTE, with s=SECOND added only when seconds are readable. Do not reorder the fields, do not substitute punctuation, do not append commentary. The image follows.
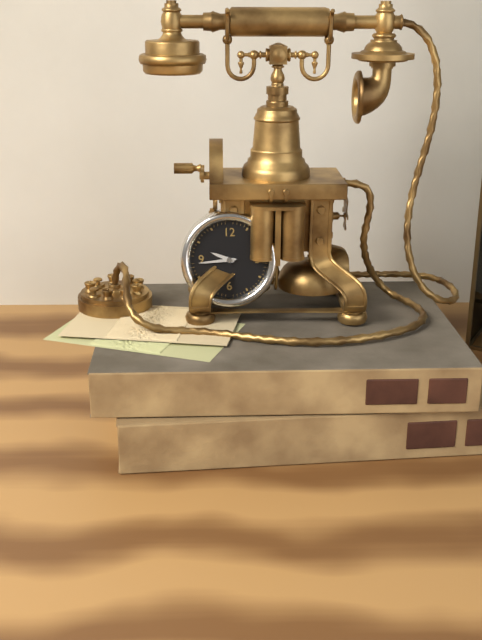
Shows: h=9 m=44
